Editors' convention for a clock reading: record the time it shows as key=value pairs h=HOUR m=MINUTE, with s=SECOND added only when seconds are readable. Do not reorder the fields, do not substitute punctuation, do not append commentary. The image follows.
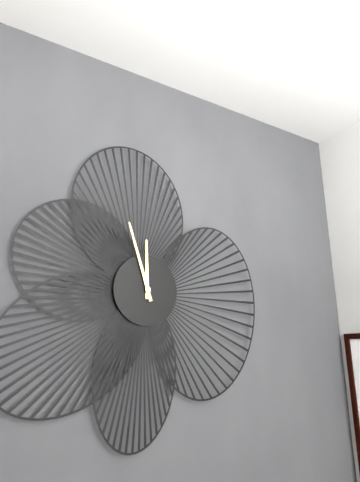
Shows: h=11 m=57
